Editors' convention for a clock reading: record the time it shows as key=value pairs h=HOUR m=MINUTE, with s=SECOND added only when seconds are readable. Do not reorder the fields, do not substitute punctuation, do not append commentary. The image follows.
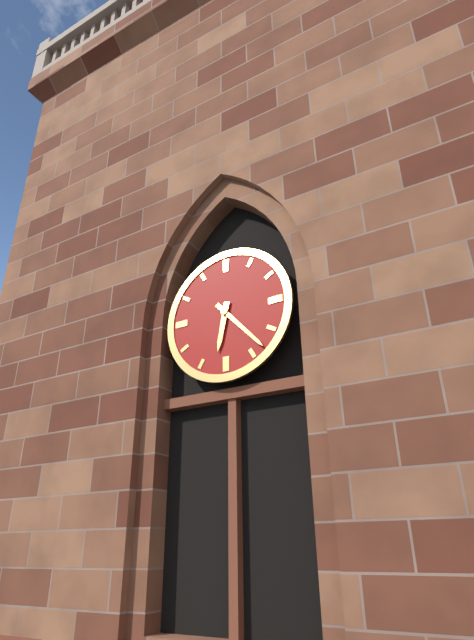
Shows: h=6 m=23
